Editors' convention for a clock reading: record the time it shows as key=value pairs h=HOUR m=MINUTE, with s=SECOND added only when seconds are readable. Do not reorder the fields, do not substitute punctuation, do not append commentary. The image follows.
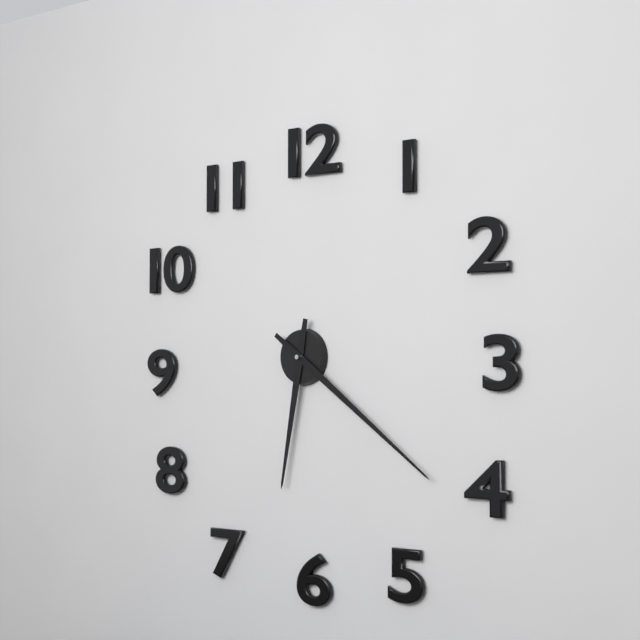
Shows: h=6 m=21
